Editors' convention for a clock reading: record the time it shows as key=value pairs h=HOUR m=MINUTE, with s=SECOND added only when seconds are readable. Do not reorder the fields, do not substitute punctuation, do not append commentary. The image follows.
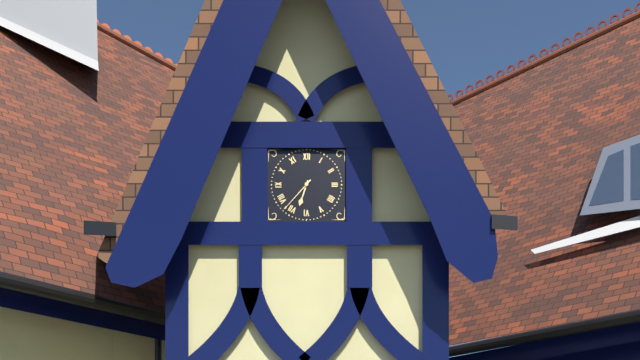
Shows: h=6 m=37
